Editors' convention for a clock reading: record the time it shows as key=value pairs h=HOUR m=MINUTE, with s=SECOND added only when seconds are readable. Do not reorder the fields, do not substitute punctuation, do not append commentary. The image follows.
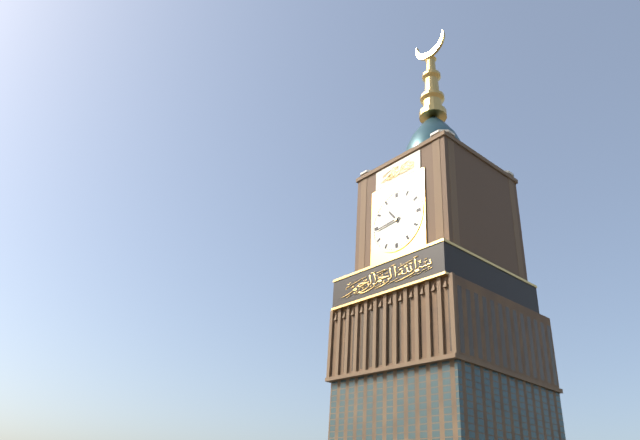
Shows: h=10 m=44
